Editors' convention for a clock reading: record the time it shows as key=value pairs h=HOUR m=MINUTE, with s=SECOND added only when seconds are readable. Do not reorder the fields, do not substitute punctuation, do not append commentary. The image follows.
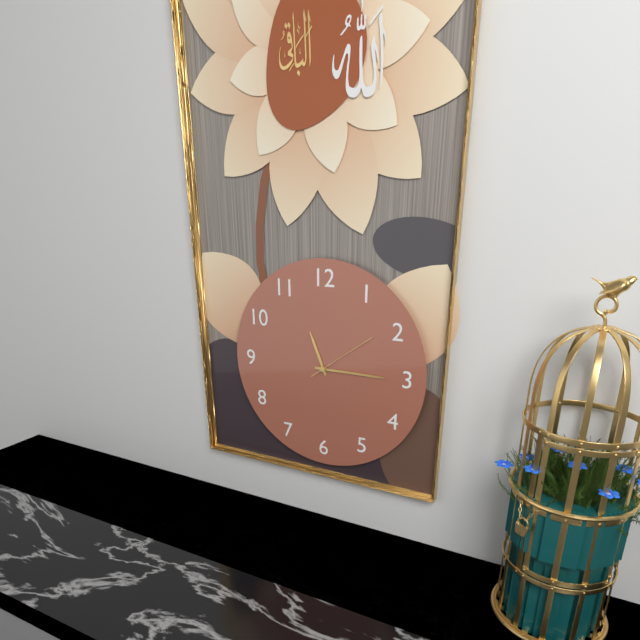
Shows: h=11 m=15 s=9
